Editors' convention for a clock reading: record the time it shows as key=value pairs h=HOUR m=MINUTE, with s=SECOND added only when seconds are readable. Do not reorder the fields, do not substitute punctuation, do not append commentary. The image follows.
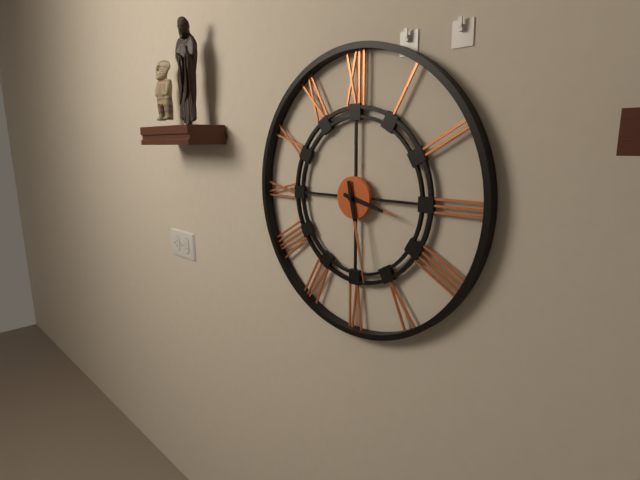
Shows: h=3 m=28
